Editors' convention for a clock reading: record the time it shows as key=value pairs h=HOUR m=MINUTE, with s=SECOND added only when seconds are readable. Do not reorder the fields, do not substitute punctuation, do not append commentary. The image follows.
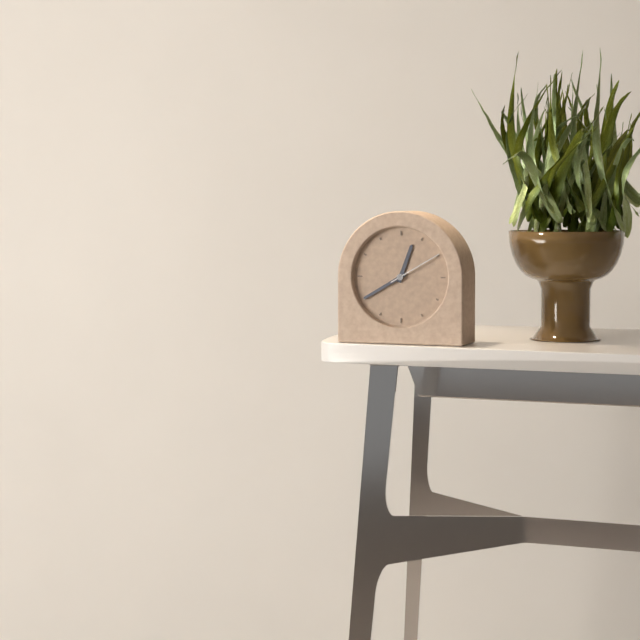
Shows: h=12 m=40 s=10
